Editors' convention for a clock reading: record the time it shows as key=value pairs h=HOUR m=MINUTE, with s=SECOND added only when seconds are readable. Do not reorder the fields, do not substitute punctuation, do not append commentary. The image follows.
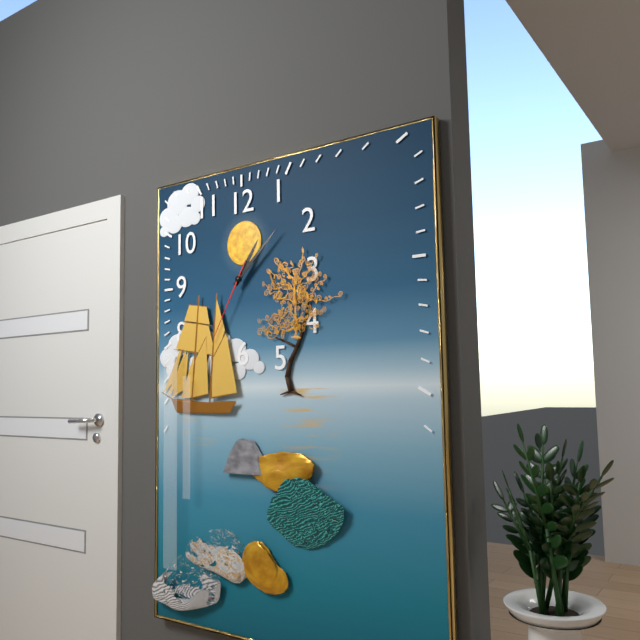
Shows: h=1 m=8 s=35
